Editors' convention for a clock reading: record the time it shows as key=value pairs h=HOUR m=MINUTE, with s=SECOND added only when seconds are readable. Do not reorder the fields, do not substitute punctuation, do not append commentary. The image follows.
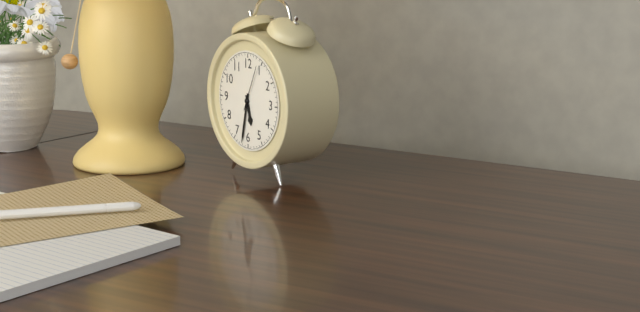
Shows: h=5 m=32
